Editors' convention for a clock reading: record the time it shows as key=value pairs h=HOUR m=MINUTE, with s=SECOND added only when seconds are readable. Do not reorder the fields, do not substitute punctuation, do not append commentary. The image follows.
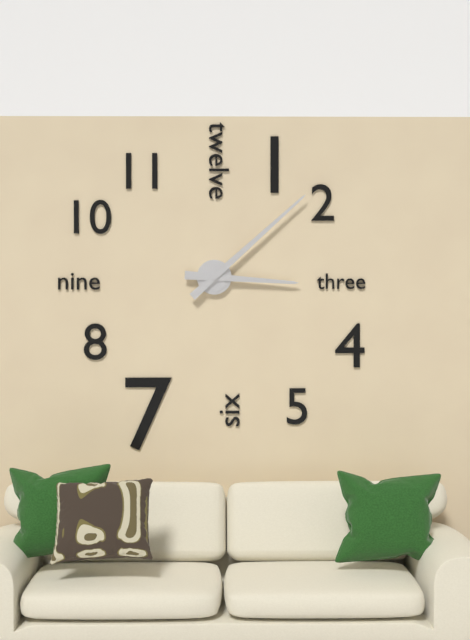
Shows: h=3 m=8
